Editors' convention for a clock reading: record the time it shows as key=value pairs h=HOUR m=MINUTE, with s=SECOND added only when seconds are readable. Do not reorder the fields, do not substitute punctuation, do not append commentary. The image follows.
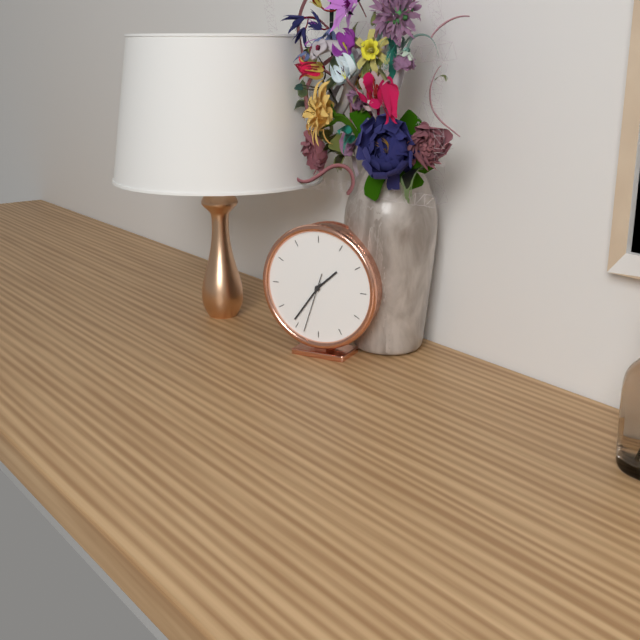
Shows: h=1 m=36 s=33
